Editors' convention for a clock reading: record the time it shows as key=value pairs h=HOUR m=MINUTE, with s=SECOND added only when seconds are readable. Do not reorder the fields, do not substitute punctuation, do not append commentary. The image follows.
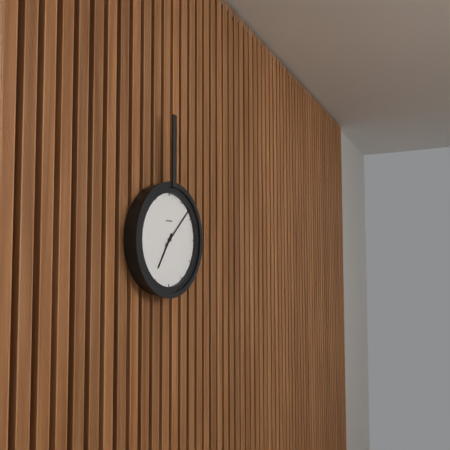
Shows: h=7 m=8
